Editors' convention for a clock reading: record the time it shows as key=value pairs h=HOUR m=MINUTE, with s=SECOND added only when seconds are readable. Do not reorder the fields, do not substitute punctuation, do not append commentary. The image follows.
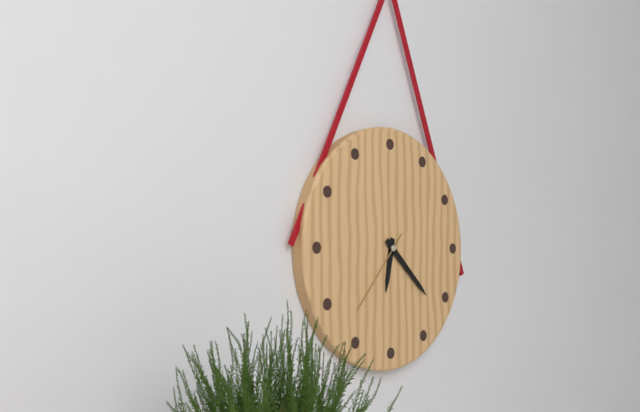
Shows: h=6 m=22 s=37
